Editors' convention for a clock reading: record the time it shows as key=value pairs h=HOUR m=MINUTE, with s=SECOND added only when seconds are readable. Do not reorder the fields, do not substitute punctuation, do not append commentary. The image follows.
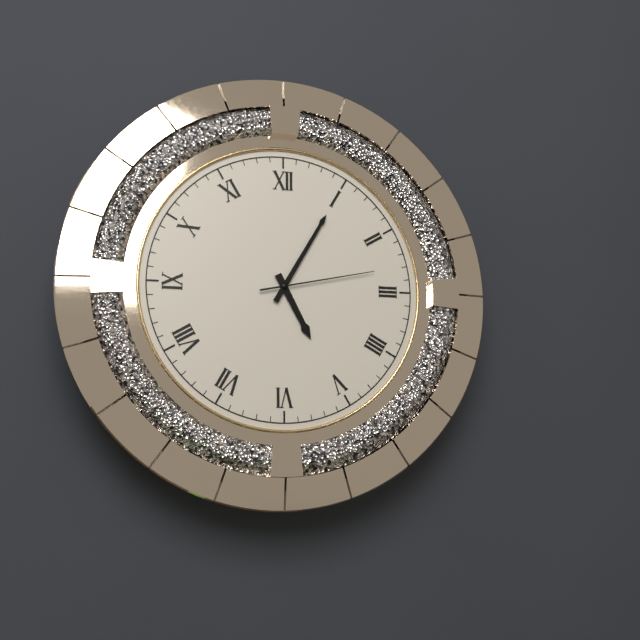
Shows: h=5 m=5 s=13
